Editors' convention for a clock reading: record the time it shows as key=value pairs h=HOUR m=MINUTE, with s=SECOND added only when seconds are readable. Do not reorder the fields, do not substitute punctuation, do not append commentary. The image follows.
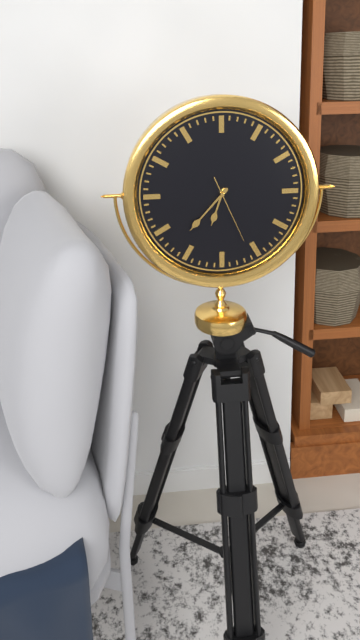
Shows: h=6 m=37 s=26
